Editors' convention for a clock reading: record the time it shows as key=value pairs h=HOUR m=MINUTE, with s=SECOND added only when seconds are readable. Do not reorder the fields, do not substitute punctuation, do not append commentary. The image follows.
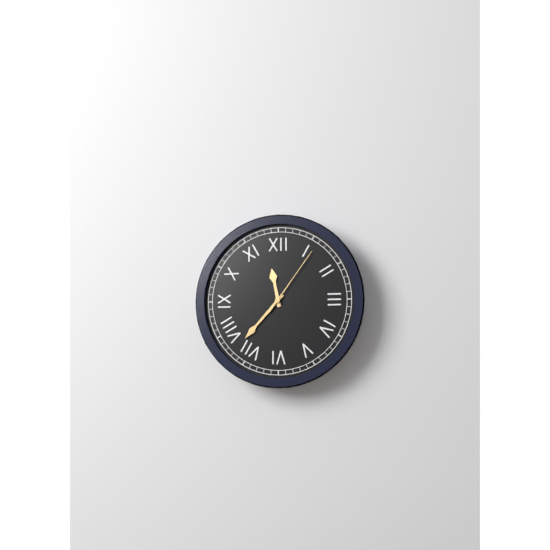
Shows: h=11 m=37 s=6
